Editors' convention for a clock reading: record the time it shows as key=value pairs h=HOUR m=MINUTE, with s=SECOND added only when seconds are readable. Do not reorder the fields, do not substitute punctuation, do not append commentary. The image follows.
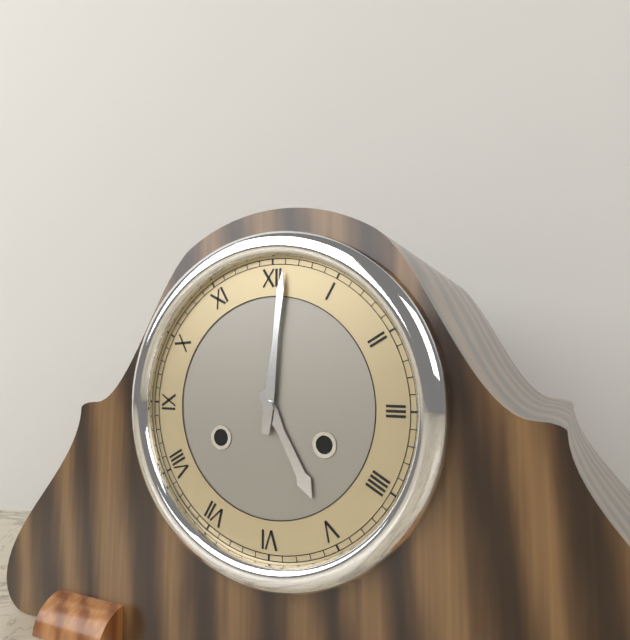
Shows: h=5 m=1
